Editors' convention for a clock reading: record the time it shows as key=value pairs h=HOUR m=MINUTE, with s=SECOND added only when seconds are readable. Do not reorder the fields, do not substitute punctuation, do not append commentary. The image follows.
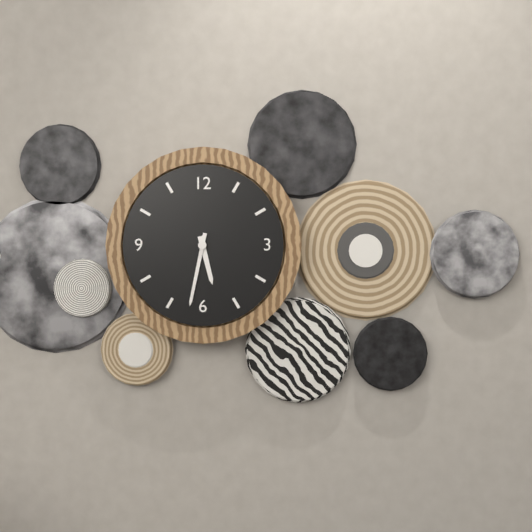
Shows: h=5 m=32
